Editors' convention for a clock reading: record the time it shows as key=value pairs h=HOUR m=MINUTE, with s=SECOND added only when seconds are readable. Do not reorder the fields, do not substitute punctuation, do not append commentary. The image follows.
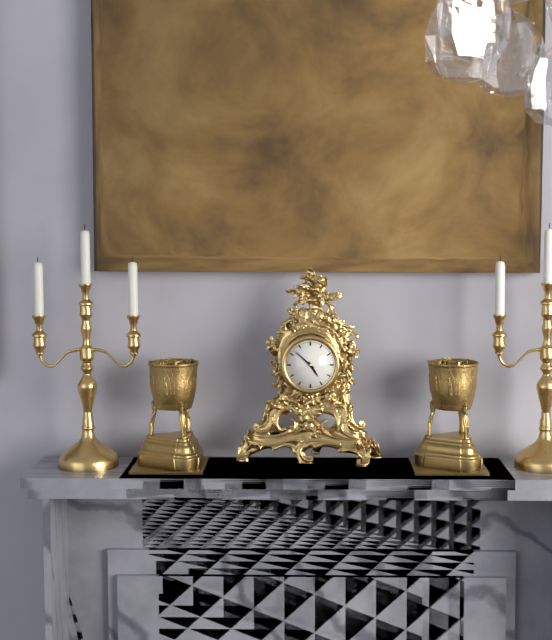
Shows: h=4 m=52
